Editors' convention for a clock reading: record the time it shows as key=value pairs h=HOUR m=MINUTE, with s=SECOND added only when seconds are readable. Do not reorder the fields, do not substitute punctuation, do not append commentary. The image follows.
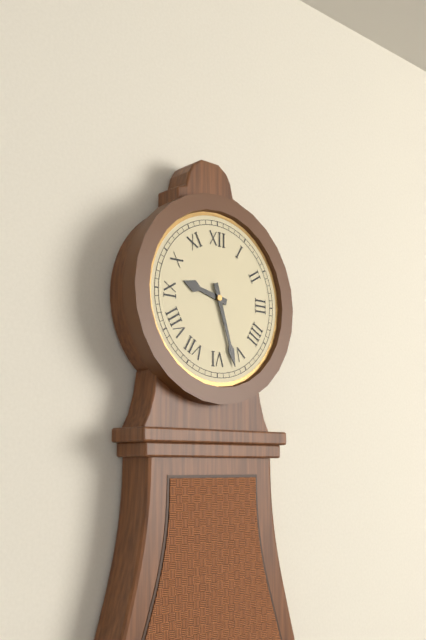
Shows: h=9 m=27
